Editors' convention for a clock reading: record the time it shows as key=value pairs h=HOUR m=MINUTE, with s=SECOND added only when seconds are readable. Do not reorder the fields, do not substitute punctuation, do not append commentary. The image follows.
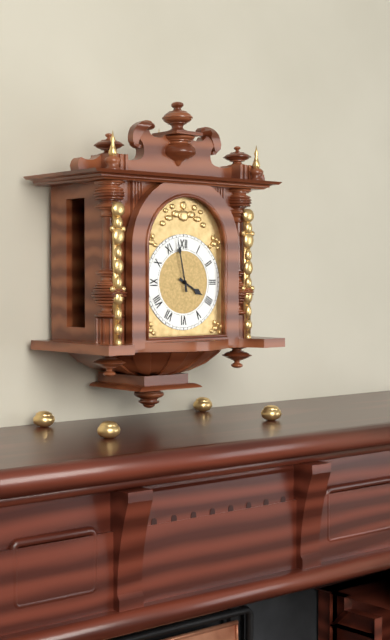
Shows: h=3 m=58
